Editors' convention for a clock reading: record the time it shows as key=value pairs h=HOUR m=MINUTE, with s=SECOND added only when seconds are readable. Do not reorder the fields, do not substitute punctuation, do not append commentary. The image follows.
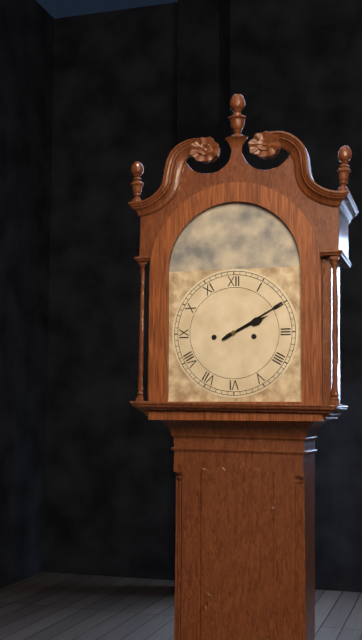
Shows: h=2 m=10
